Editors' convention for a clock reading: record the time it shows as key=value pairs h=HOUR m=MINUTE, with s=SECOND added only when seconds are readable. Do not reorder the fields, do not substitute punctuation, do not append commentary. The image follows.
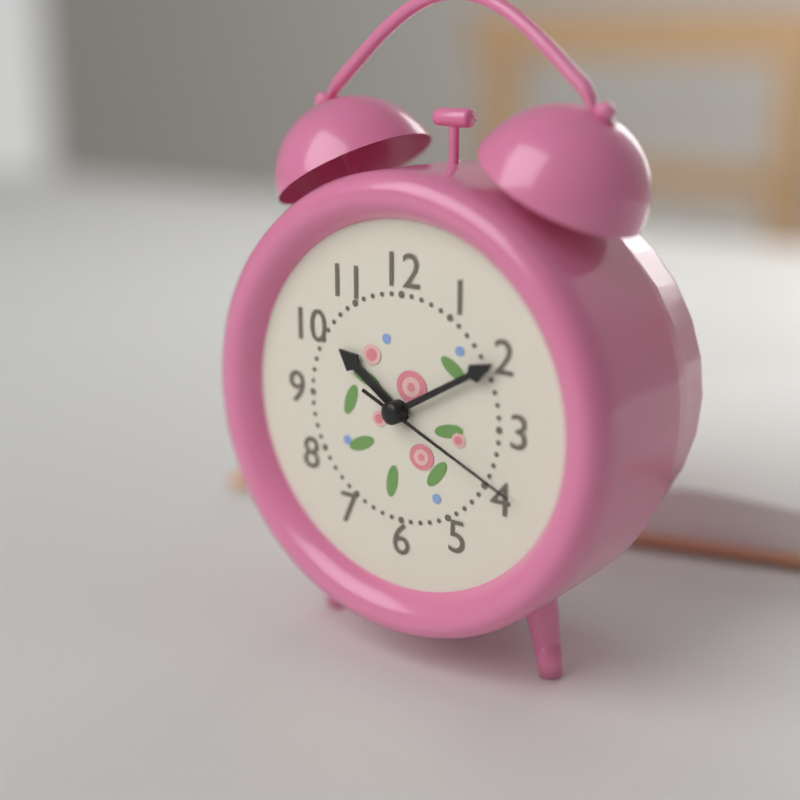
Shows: h=10 m=10 s=19
